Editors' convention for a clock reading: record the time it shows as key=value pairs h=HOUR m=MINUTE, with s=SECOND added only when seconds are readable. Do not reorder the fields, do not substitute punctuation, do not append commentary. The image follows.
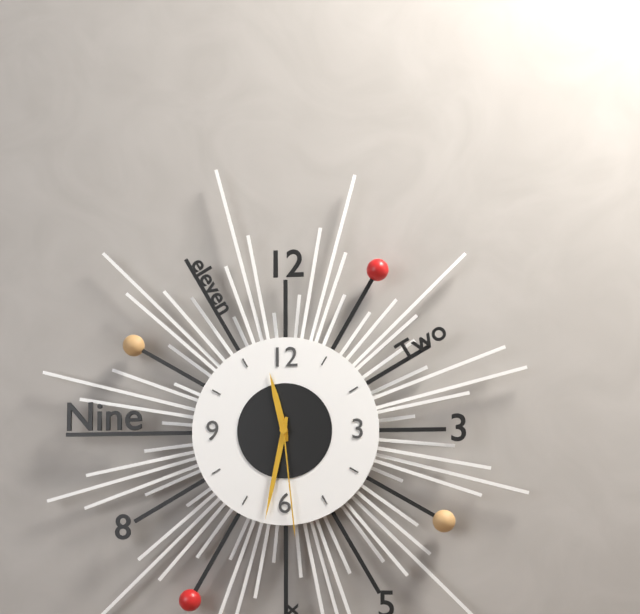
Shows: h=11 m=32 s=29
